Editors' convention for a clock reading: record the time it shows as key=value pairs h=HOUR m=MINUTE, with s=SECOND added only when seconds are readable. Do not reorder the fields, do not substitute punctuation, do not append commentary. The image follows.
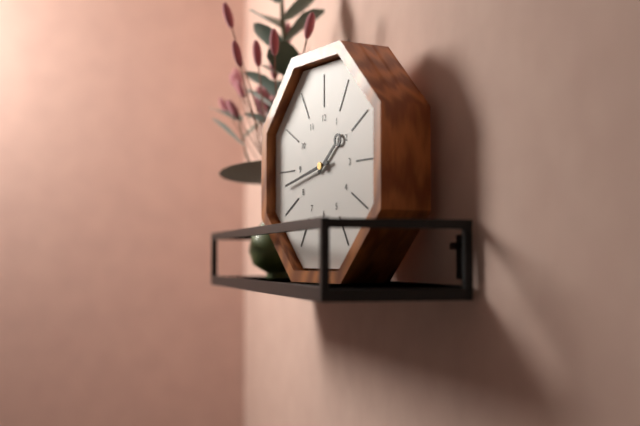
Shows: h=1 m=43
